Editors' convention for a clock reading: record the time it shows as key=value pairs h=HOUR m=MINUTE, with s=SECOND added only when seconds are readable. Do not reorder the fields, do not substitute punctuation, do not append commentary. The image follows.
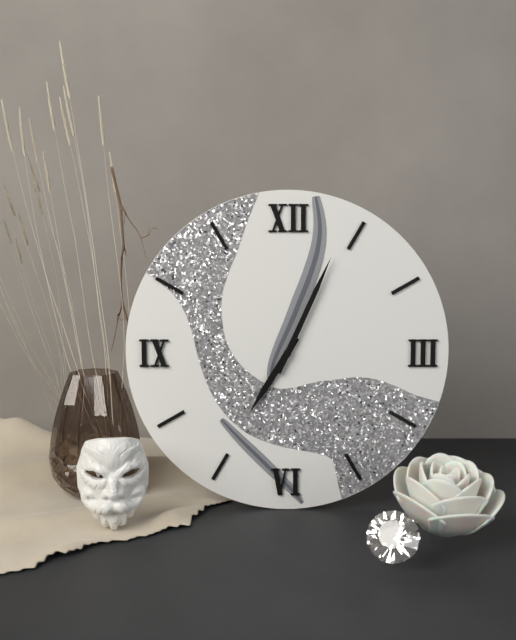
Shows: h=7 m=4
